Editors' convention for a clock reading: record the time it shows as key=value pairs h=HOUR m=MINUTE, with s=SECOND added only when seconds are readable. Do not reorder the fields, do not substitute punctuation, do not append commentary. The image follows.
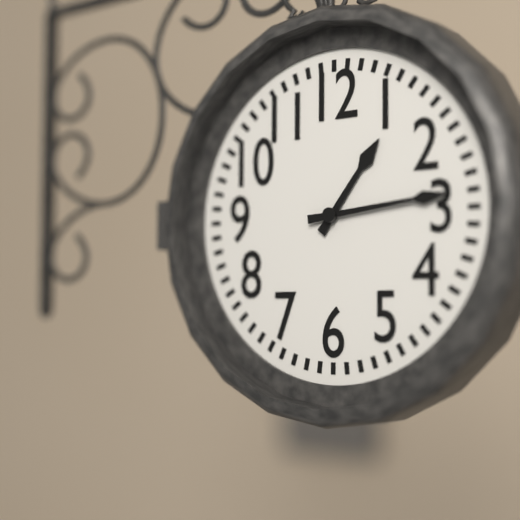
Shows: h=1 m=14
